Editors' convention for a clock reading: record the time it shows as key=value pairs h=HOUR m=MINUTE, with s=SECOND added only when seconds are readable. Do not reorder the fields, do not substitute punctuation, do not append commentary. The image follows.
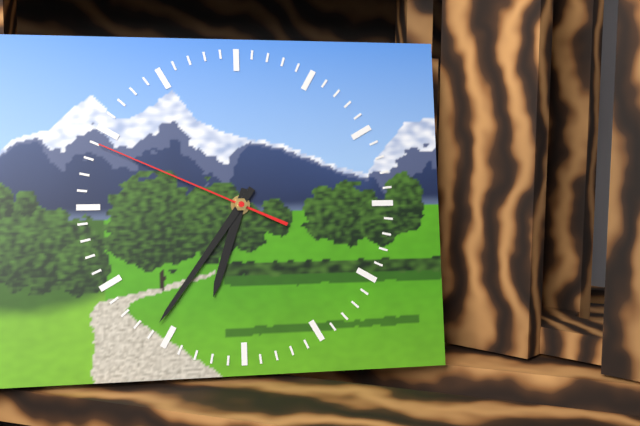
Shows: h=6 m=36 s=49
